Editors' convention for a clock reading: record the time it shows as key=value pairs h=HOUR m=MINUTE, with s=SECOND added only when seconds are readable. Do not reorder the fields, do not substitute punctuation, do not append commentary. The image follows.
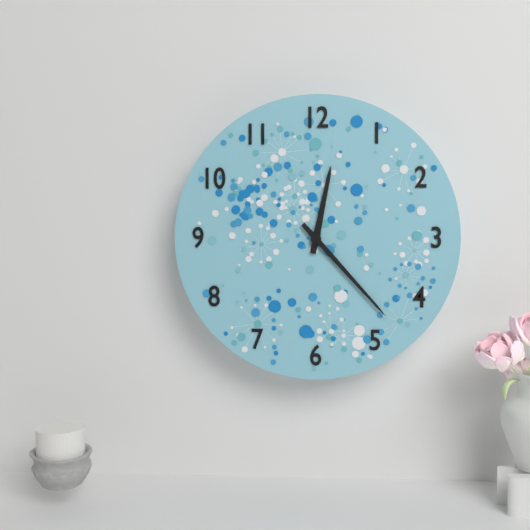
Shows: h=12 m=23
